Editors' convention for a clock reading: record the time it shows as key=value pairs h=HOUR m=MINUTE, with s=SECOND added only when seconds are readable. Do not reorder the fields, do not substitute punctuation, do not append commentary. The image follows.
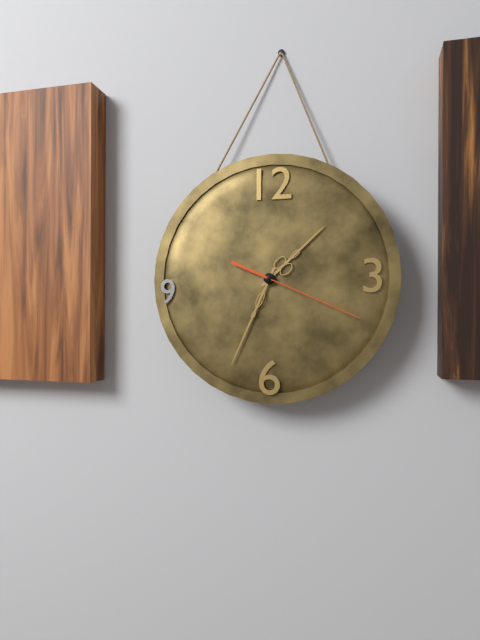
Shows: h=1 m=34 s=19
